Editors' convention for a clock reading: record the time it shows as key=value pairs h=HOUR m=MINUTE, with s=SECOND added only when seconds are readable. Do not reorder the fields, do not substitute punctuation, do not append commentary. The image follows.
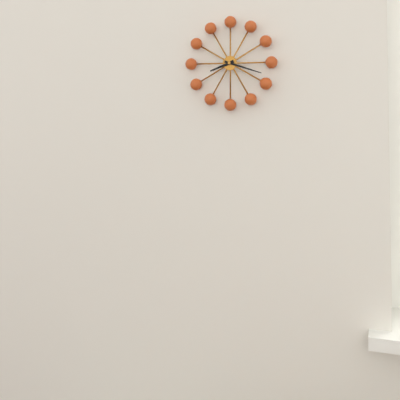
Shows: h=8 m=18
